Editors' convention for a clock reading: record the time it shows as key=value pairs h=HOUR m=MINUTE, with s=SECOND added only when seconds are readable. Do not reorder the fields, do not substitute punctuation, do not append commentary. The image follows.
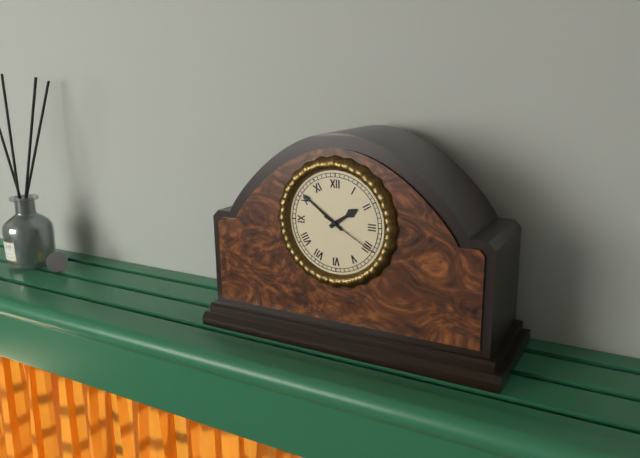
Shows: h=1 m=51 s=20
